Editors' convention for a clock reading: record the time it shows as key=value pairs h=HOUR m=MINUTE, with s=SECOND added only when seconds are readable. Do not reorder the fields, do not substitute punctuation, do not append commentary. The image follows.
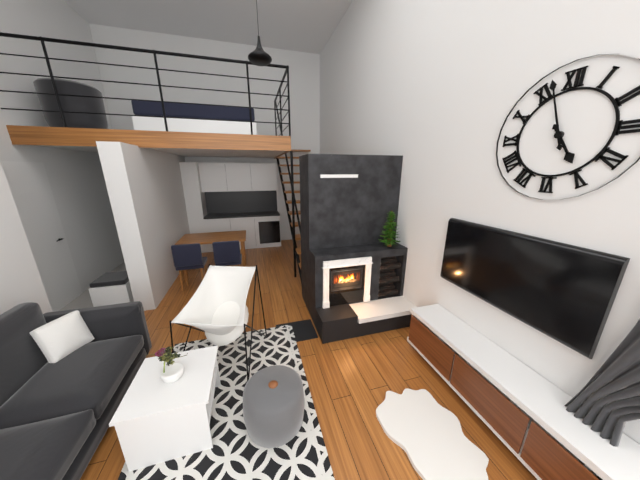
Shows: h=4 m=57
